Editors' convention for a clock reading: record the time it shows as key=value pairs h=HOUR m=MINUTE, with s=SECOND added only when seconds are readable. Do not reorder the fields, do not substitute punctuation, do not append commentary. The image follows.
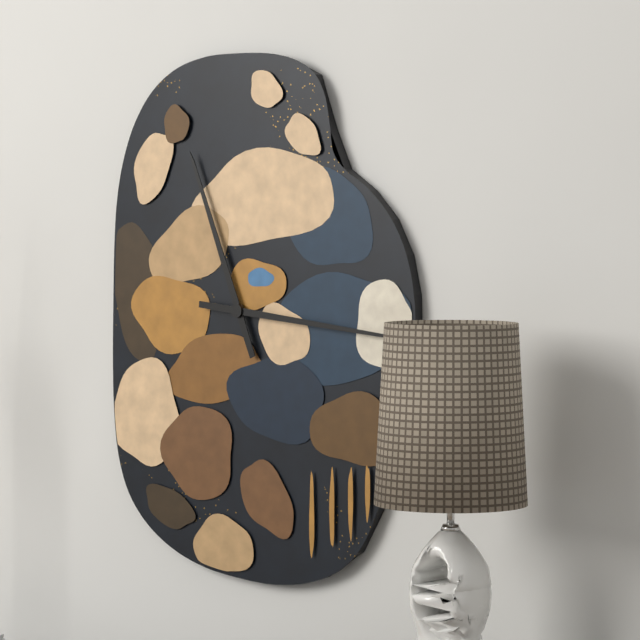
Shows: h=11 m=16
